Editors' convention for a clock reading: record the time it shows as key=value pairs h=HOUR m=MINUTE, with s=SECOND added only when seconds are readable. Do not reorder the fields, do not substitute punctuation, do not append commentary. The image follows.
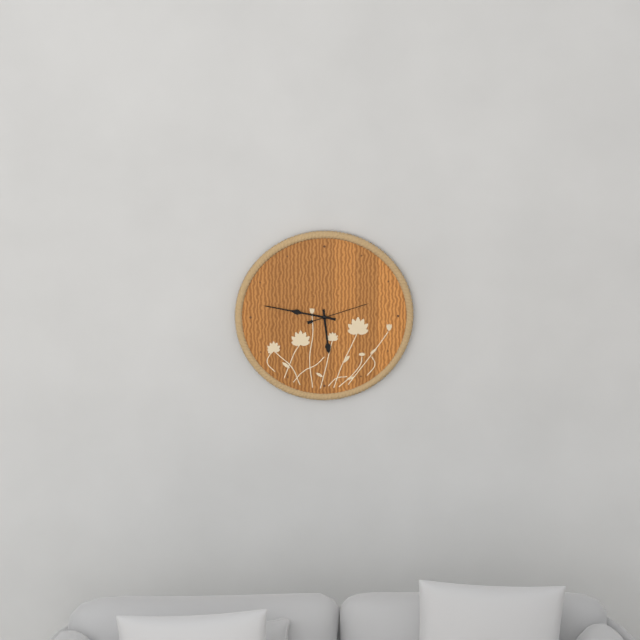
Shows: h=5 m=47 s=12
